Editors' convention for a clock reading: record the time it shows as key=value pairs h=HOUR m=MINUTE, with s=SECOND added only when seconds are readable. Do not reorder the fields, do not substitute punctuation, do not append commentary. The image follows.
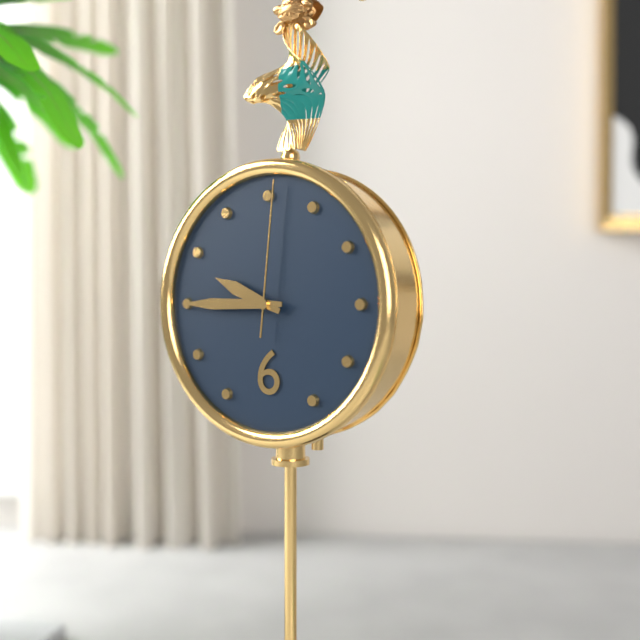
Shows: h=9 m=45 s=1
